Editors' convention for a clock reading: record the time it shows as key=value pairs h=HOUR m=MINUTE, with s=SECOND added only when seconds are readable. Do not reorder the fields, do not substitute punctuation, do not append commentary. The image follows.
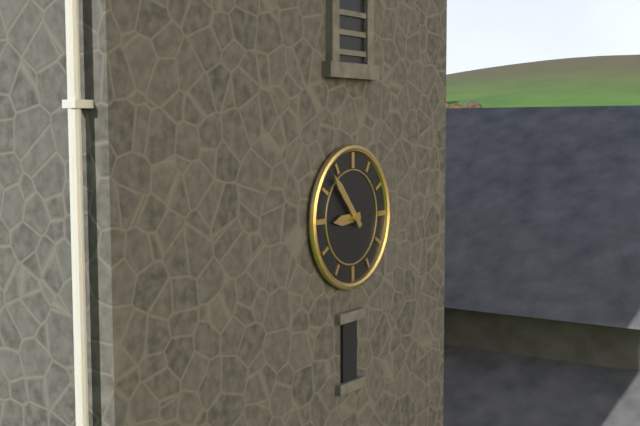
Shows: h=8 m=53
